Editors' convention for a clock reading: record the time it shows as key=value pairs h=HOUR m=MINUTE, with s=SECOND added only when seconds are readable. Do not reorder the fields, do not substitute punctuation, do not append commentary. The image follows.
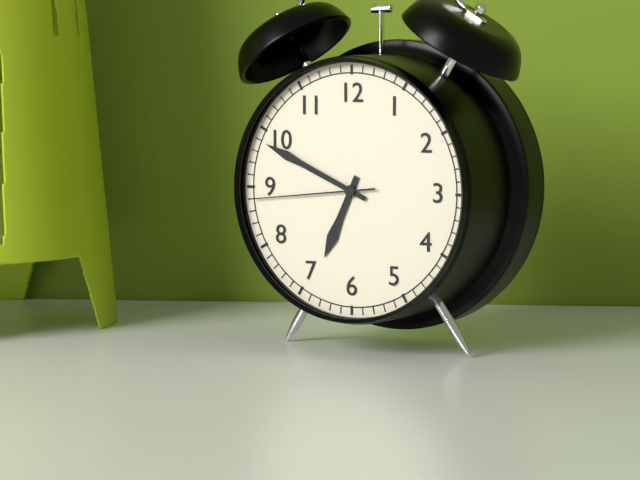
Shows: h=6 m=49 s=44
